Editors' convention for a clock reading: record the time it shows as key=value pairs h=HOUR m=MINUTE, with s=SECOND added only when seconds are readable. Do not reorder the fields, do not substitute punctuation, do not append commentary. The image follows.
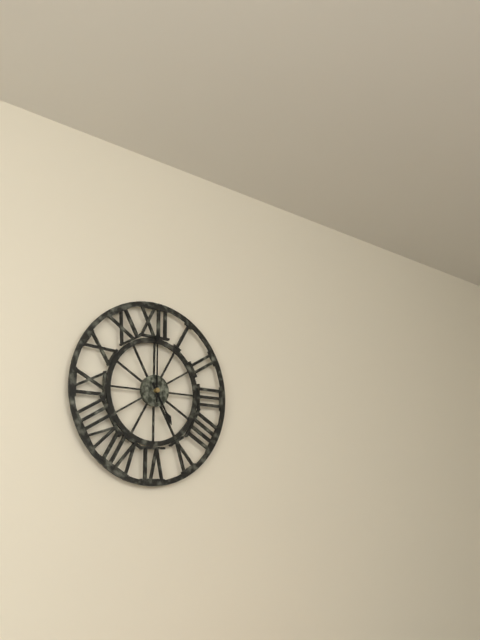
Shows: h=5 m=0
